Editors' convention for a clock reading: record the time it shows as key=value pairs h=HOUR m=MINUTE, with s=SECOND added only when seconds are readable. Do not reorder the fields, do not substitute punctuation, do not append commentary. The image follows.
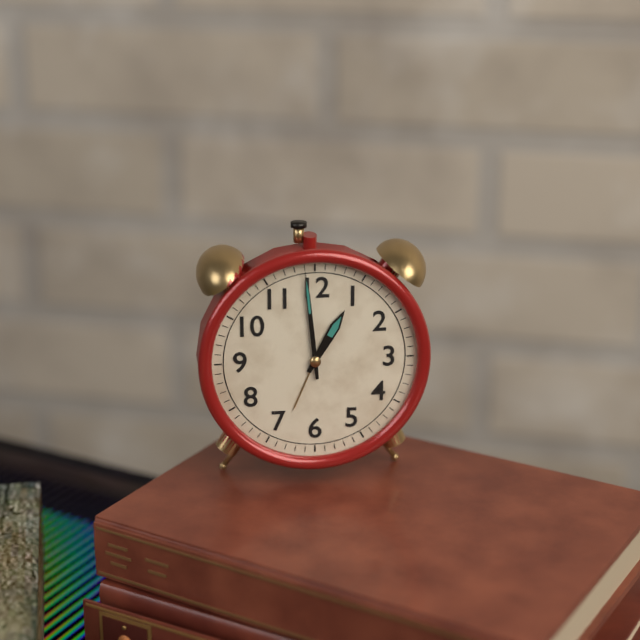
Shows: h=12 m=59
